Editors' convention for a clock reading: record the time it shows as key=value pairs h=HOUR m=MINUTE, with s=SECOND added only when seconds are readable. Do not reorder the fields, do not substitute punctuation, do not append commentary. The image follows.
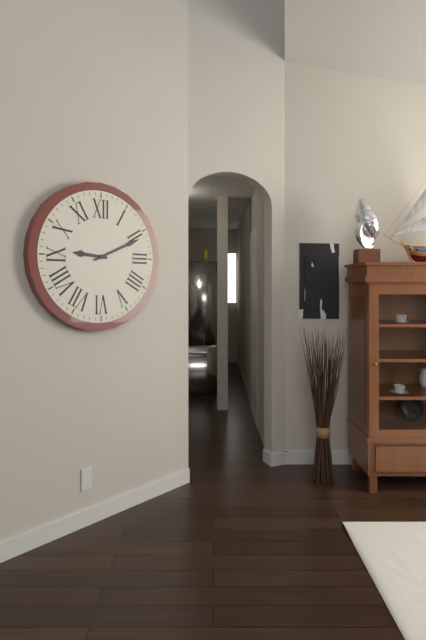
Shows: h=9 m=11
